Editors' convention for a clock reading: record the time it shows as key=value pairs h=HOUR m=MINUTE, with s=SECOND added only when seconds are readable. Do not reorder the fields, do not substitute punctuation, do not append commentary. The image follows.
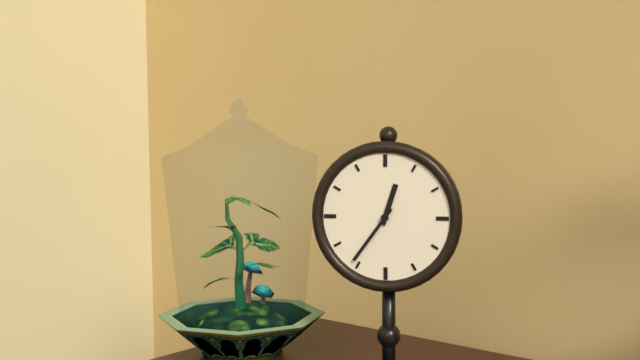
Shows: h=12 m=36
